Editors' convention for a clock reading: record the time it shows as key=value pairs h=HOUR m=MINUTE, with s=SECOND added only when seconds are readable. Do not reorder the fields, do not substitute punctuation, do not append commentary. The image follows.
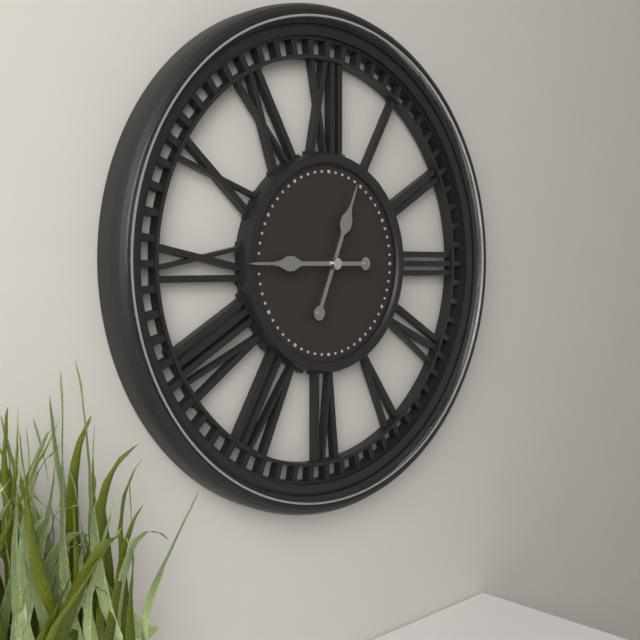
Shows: h=12 m=45
